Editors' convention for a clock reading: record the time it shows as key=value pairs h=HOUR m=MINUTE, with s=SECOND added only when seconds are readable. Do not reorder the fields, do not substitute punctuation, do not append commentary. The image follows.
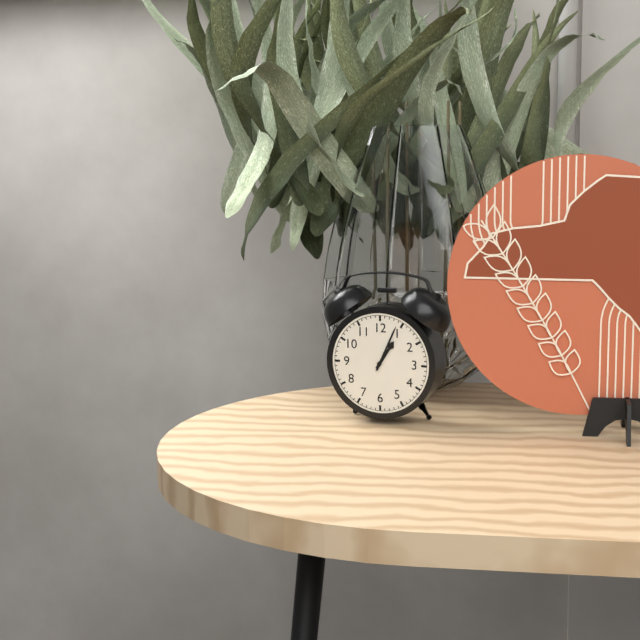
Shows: h=1 m=4
